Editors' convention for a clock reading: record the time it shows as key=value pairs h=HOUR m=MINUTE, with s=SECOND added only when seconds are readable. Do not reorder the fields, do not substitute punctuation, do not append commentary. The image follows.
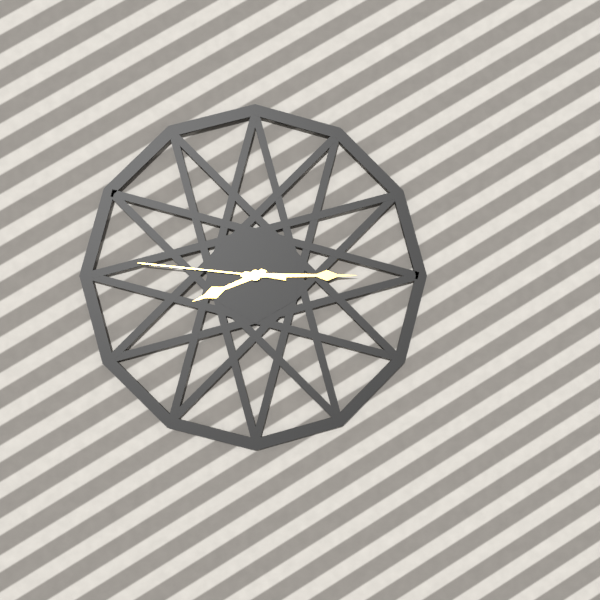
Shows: h=8 m=15 s=46
